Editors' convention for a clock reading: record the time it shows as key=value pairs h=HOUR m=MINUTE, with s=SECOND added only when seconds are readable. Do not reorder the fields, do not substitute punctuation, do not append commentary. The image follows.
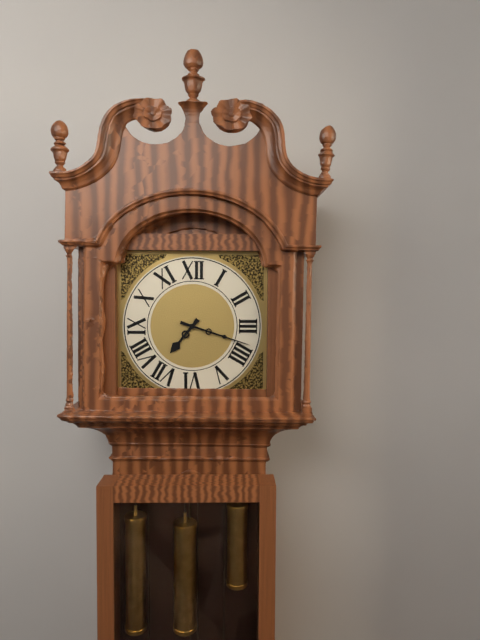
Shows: h=7 m=18
